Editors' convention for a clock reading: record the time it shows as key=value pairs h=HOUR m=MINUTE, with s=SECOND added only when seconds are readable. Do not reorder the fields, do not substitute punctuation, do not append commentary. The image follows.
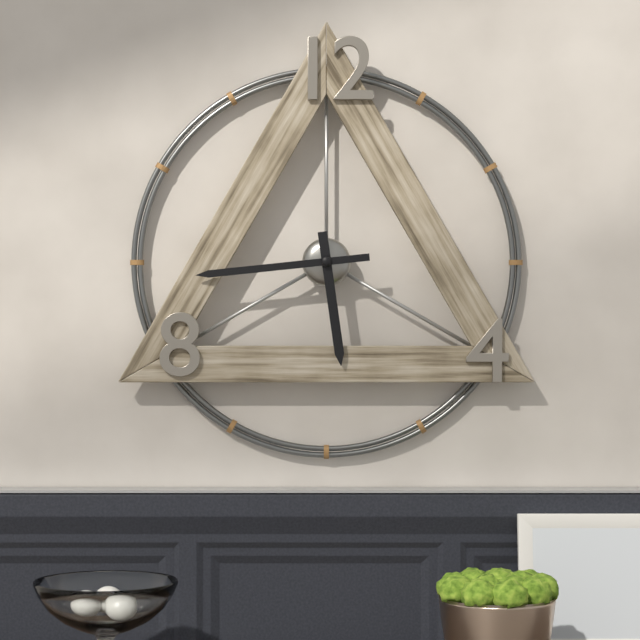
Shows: h=5 m=44
